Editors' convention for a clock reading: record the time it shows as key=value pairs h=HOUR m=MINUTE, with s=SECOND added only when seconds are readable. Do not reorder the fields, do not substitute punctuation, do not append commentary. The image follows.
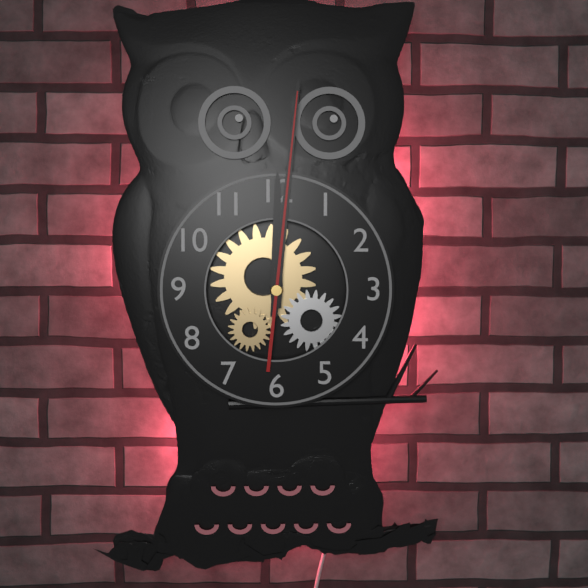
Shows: h=12 m=1 s=1
